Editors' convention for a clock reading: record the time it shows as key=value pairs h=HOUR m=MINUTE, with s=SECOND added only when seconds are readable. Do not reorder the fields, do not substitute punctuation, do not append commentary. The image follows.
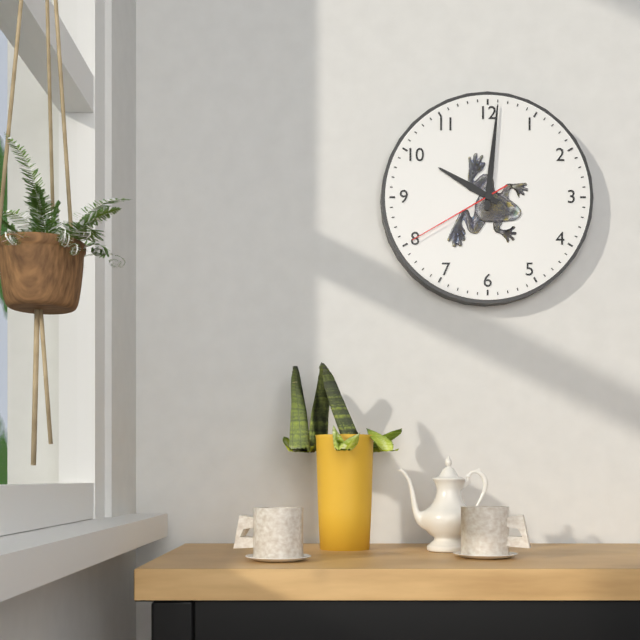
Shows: h=10 m=1 s=40
